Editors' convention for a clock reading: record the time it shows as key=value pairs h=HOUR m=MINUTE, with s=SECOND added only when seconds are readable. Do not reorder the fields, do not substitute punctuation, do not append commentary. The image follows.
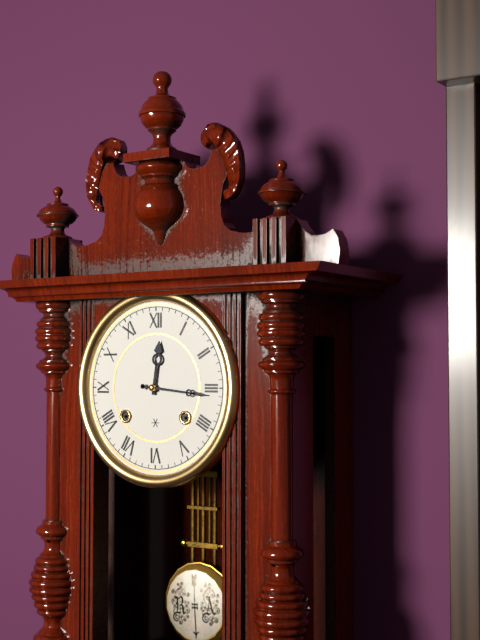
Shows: h=12 m=16
